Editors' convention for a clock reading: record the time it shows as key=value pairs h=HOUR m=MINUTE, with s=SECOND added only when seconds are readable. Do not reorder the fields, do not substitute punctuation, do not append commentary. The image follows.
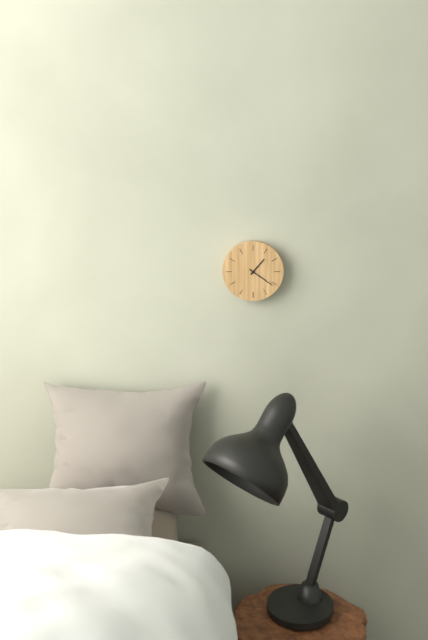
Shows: h=1 m=21
